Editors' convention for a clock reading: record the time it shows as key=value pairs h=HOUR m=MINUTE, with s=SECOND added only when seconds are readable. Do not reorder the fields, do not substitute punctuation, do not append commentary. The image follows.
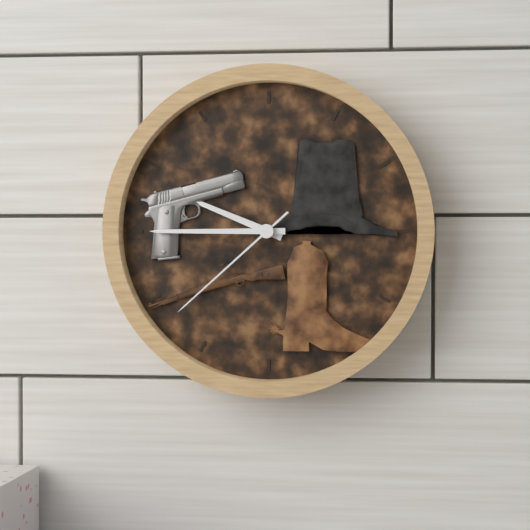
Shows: h=9 m=45 s=38
